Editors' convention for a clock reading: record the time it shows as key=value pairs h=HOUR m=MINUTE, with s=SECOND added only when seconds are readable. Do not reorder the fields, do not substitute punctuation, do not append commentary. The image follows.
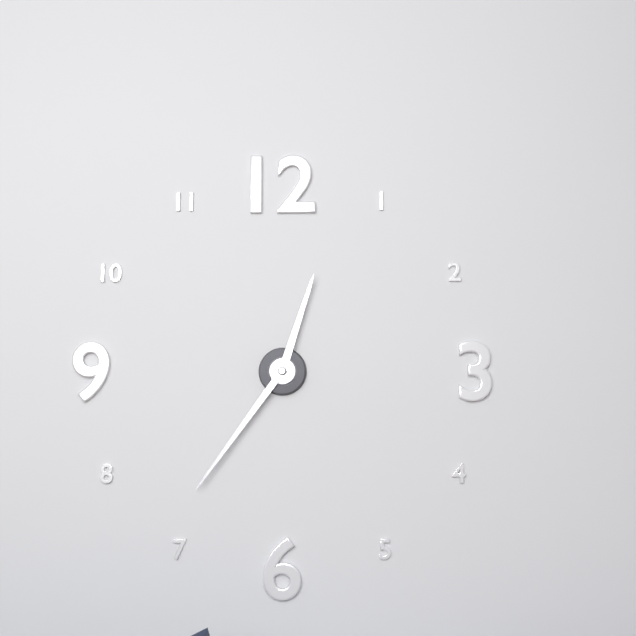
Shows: h=12 m=36
